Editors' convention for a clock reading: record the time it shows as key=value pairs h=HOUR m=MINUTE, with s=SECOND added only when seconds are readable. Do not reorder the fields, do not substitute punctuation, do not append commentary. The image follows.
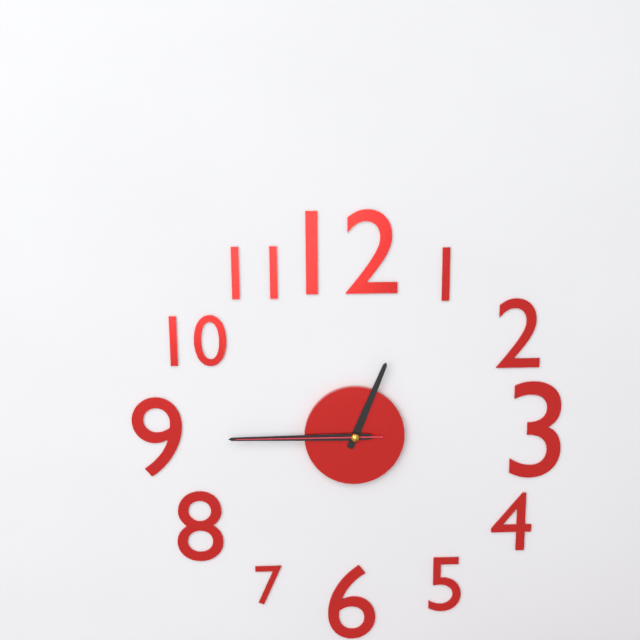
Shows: h=12 m=45 s=45
